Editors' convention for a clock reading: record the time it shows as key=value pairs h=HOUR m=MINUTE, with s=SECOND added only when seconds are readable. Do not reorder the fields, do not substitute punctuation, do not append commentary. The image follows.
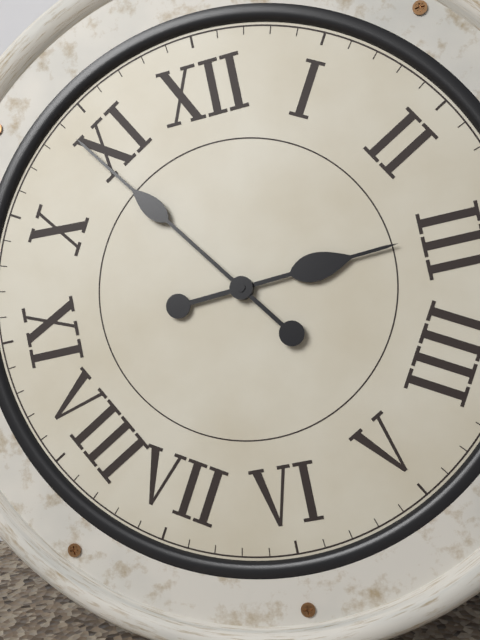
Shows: h=2 m=54
